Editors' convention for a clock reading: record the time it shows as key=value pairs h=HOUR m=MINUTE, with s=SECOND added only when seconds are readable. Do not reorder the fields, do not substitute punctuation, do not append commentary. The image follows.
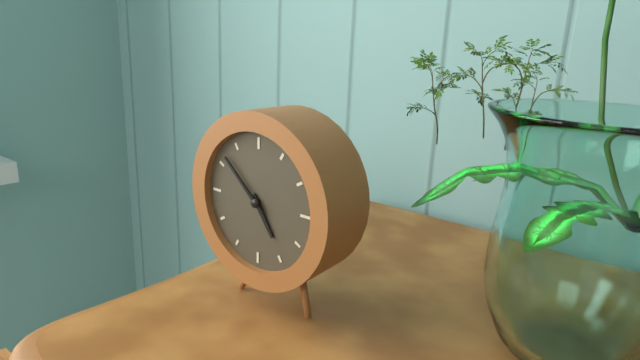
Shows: h=4 m=52
